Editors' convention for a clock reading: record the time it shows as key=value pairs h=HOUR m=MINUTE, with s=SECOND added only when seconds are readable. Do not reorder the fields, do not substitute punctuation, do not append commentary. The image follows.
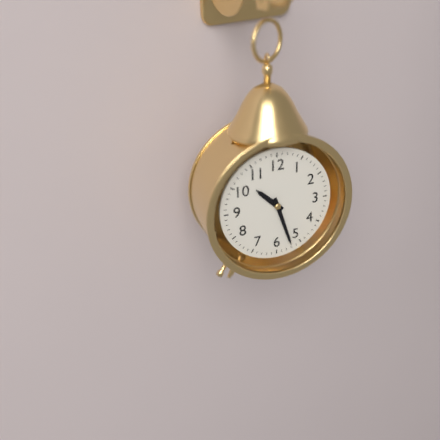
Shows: h=10 m=27
